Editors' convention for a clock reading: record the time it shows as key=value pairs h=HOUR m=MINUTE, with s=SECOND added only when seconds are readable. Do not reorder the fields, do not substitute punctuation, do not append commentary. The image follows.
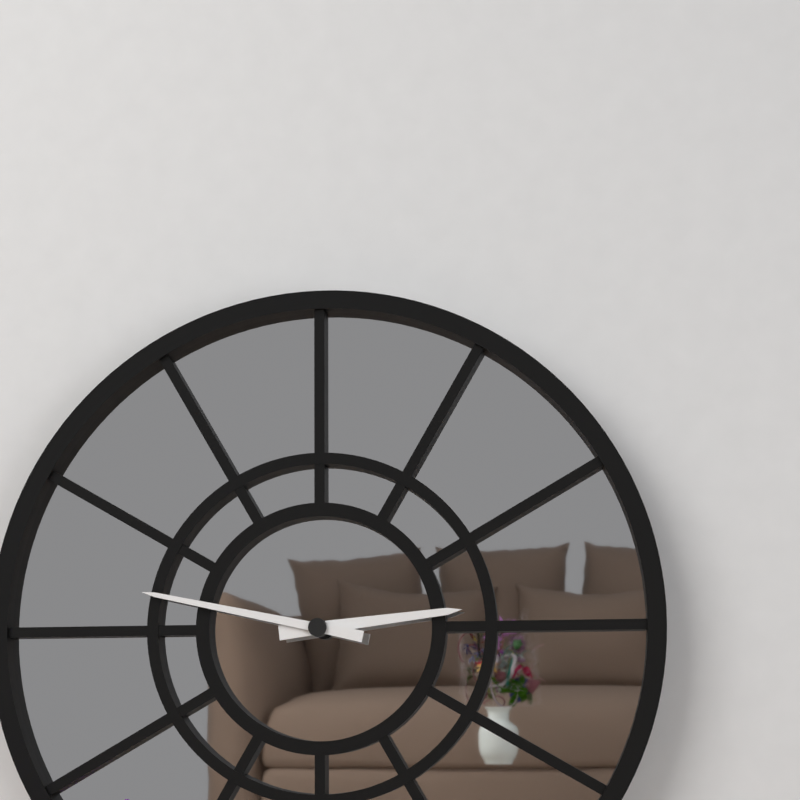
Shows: h=2 m=47
